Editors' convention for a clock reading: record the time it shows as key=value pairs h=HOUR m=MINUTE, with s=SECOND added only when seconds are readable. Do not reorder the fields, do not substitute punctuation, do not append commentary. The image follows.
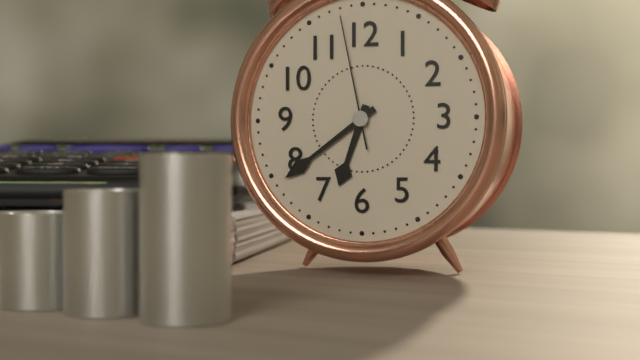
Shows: h=6 m=39 s=58
